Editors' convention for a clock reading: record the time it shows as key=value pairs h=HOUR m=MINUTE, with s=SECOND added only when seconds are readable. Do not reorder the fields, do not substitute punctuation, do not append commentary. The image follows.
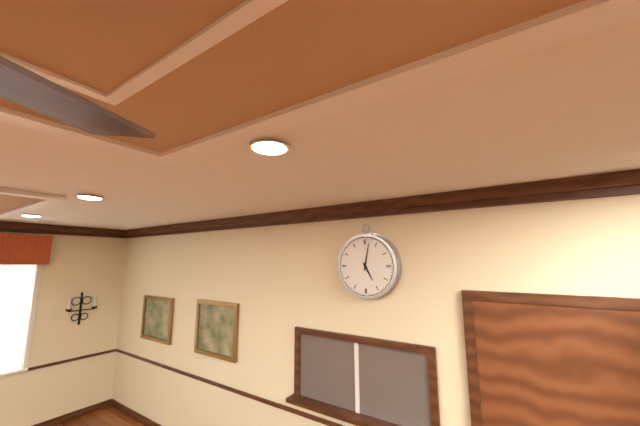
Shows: h=5 m=2
